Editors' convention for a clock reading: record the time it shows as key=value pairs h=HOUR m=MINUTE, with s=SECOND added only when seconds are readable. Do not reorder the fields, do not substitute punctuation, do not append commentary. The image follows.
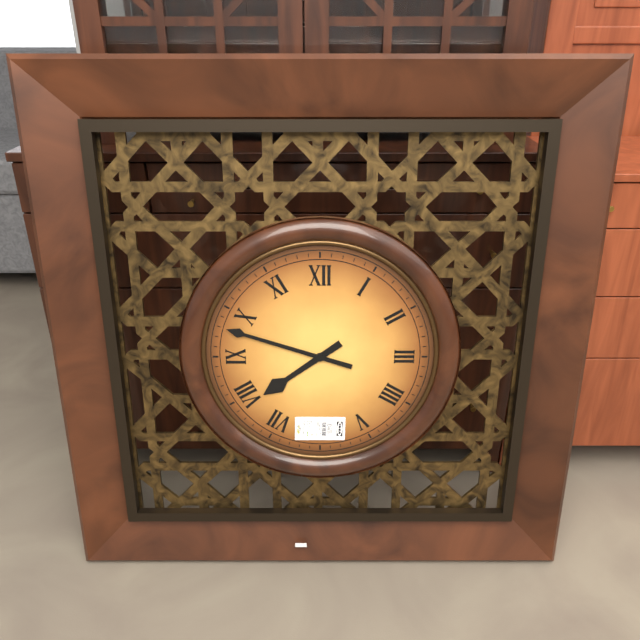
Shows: h=7 m=48
